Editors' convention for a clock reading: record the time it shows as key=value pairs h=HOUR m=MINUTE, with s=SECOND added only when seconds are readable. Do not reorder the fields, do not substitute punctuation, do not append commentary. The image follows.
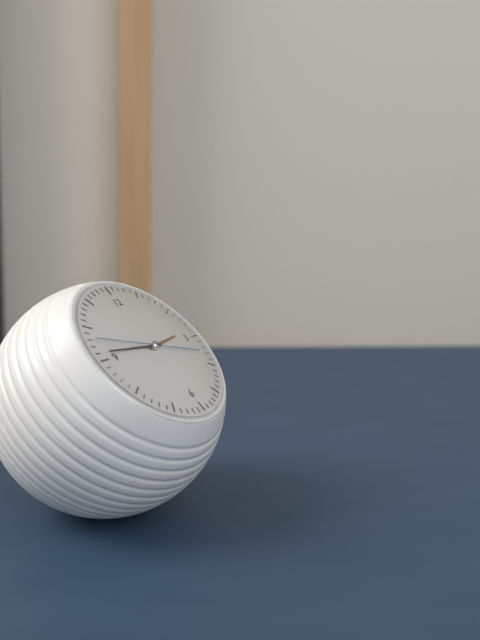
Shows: h=2 m=46 s=48
